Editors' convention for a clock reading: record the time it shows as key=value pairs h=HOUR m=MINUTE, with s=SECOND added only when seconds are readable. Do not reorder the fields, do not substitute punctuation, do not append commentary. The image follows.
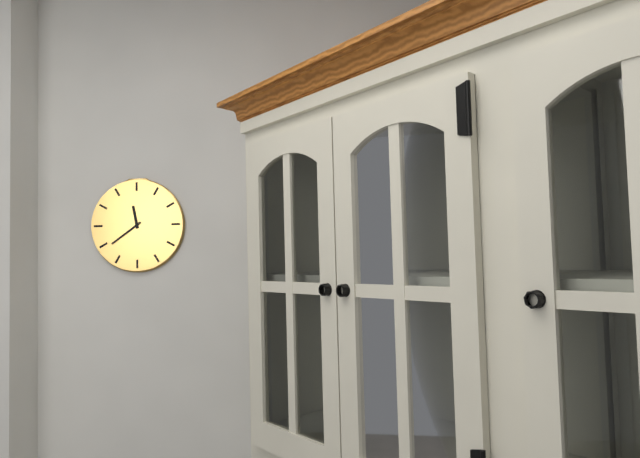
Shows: h=11 m=39
